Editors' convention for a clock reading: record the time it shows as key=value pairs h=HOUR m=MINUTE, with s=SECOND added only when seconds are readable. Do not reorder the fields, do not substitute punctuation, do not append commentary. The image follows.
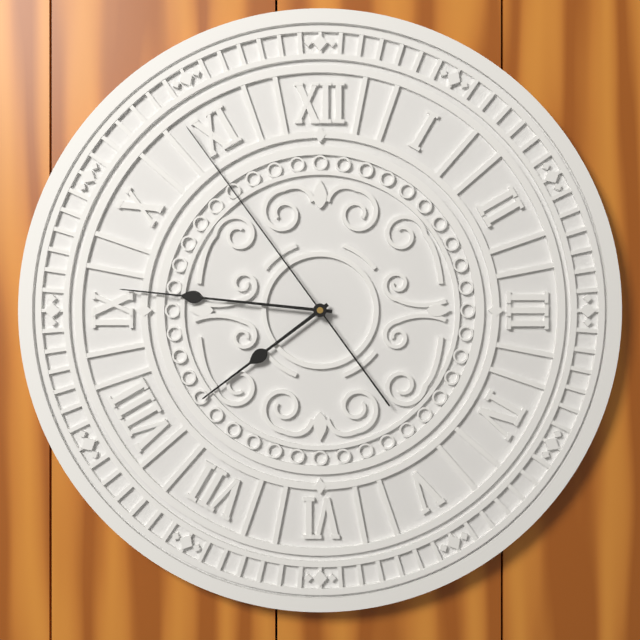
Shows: h=7 m=46 s=54
